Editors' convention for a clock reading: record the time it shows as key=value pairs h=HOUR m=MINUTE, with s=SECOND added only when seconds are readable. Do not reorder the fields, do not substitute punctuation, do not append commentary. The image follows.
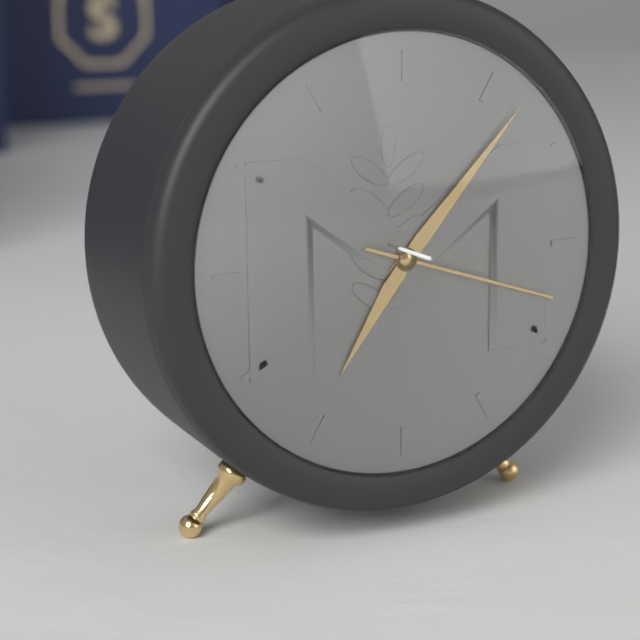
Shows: h=7 m=7 s=18
